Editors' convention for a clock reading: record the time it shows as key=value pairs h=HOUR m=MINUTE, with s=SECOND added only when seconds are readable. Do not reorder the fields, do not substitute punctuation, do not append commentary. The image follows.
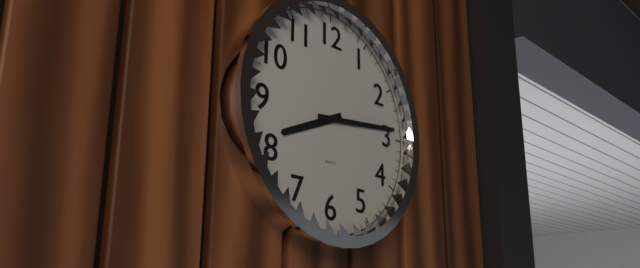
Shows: h=8 m=14
